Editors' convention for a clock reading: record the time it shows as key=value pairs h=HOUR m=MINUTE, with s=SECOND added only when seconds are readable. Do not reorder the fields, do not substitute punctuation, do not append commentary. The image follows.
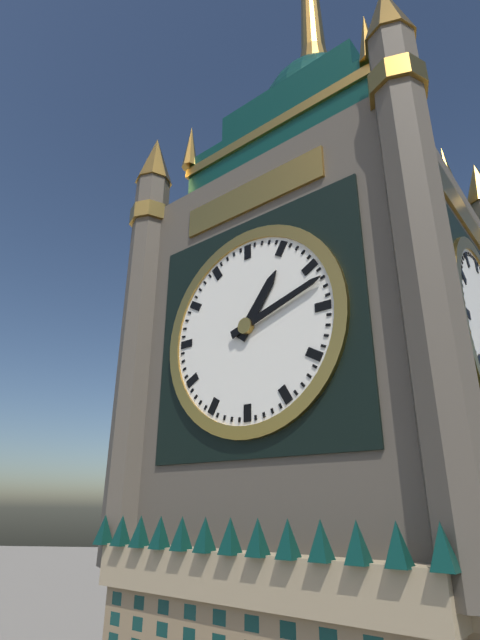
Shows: h=1 m=12
